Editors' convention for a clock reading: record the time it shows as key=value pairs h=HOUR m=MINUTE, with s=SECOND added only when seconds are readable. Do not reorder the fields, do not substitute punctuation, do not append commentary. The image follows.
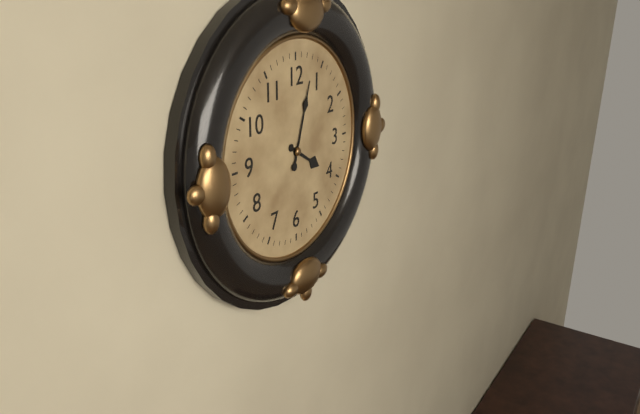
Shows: h=4 m=3
